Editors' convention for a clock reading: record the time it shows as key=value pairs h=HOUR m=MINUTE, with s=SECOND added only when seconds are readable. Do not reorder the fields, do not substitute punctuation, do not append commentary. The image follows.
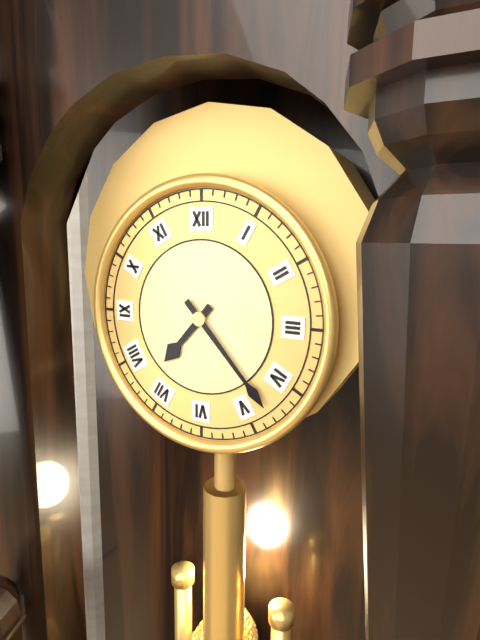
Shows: h=7 m=23
